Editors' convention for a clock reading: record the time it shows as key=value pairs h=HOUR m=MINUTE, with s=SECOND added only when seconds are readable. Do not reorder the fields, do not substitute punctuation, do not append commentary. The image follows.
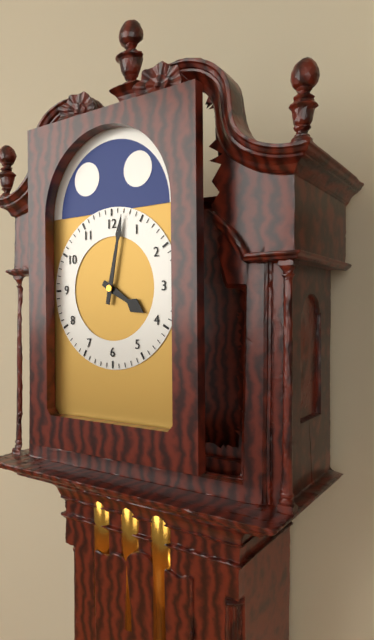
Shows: h=4 m=2
